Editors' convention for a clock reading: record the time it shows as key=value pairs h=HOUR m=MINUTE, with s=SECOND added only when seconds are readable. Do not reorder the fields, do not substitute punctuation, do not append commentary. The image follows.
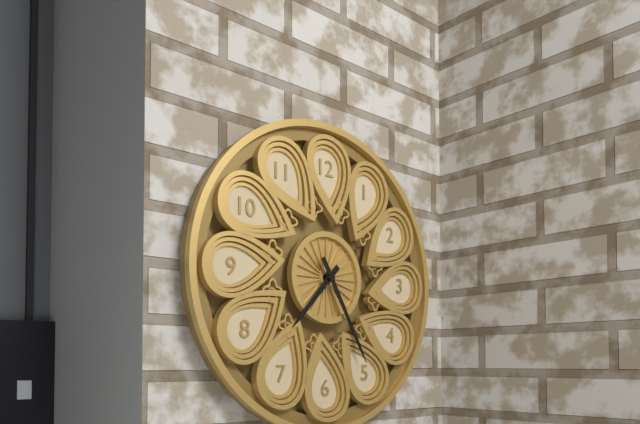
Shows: h=7 m=25
